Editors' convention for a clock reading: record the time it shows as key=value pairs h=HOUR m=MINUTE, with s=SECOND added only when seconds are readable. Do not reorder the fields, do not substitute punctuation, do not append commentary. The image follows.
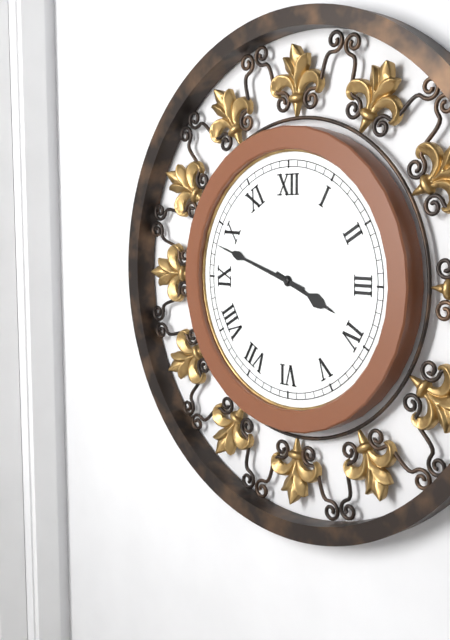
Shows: h=3 m=48
